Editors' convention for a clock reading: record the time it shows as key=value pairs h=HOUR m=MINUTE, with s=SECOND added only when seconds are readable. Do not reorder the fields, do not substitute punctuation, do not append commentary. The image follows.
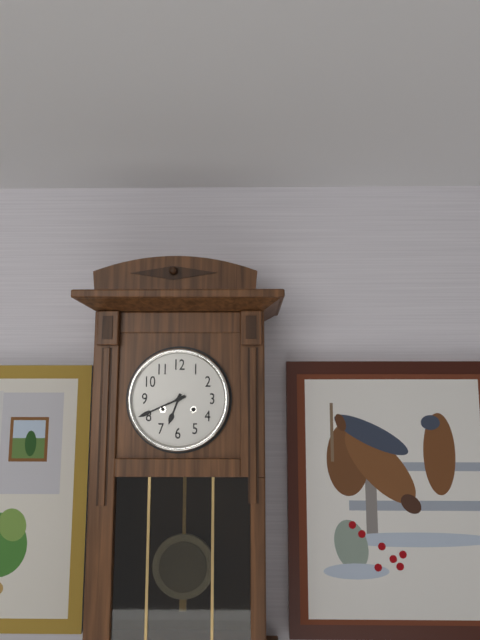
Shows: h=6 m=41
